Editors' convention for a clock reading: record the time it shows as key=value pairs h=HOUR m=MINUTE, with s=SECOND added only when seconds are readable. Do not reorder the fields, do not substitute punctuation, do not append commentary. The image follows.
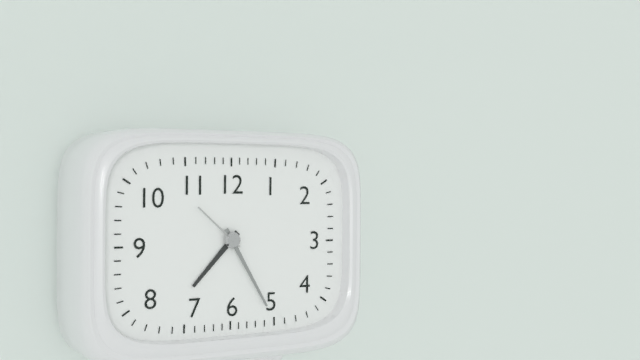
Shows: h=7 m=25 s=52
